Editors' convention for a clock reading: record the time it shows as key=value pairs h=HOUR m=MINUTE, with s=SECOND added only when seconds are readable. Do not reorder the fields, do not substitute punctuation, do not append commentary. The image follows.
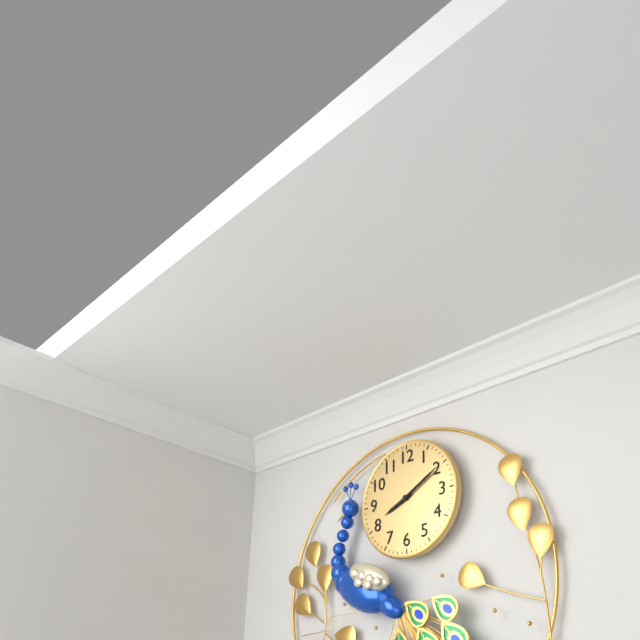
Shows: h=8 m=10
